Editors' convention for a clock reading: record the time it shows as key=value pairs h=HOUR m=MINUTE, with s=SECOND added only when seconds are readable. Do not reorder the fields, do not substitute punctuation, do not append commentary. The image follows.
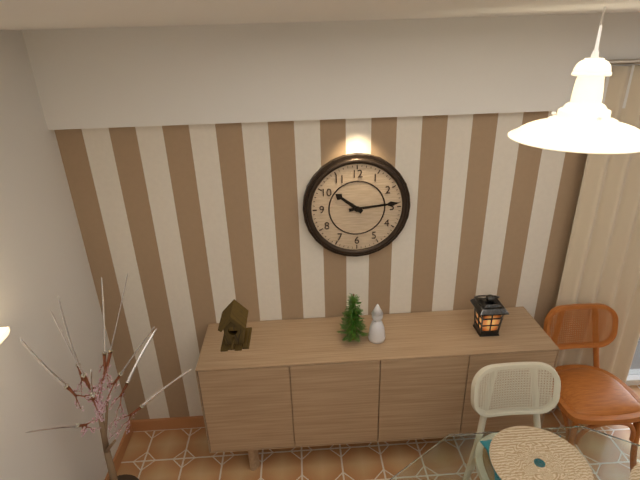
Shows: h=10 m=14
